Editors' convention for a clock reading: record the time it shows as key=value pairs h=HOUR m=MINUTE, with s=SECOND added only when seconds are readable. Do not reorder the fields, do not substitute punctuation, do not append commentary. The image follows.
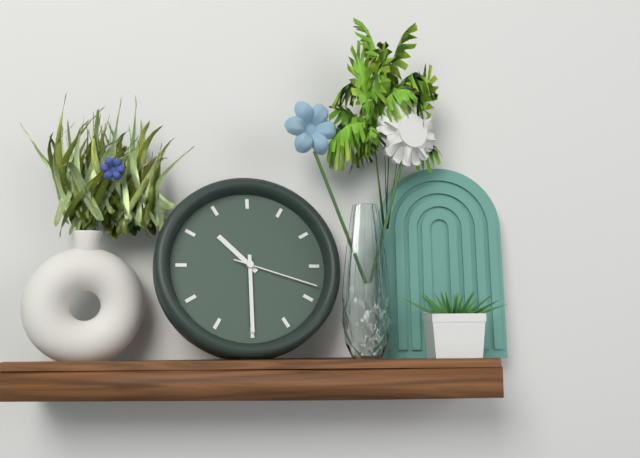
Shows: h=10 m=30 s=18
